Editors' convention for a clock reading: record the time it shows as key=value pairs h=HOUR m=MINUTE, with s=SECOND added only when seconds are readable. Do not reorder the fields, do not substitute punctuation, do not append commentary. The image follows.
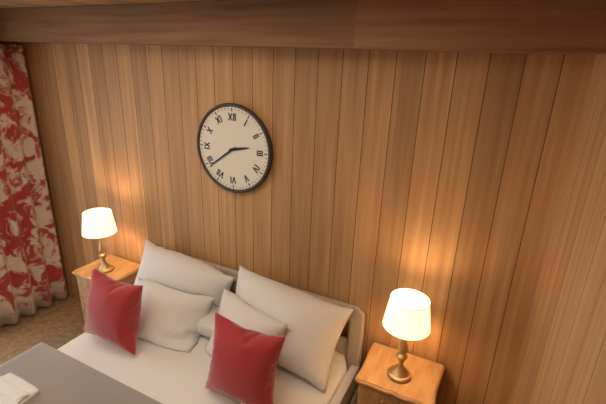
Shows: h=2 m=39
